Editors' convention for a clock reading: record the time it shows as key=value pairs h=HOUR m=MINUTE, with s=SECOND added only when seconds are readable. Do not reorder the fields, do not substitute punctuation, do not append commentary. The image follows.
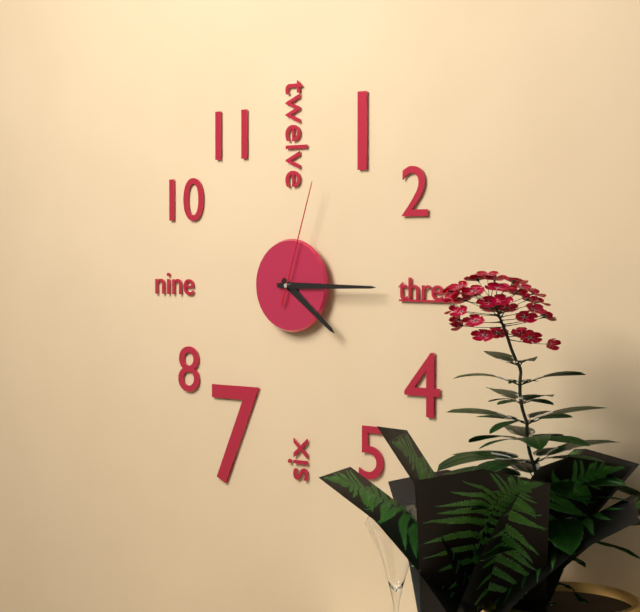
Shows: h=4 m=15 s=3
